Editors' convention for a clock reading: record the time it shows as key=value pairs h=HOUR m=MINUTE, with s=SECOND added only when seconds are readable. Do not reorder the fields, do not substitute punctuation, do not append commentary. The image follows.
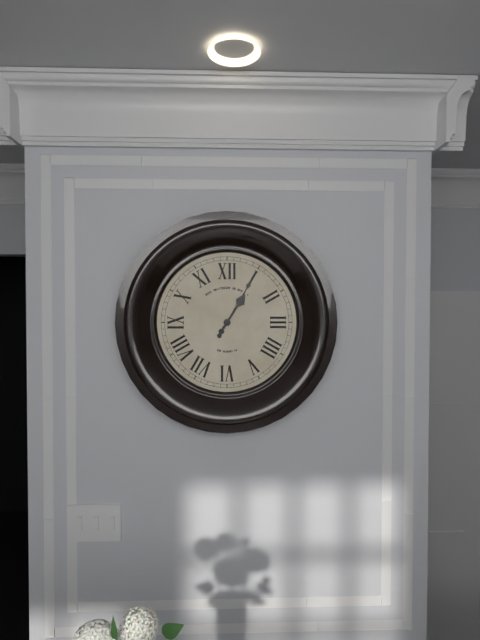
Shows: h=1 m=5
